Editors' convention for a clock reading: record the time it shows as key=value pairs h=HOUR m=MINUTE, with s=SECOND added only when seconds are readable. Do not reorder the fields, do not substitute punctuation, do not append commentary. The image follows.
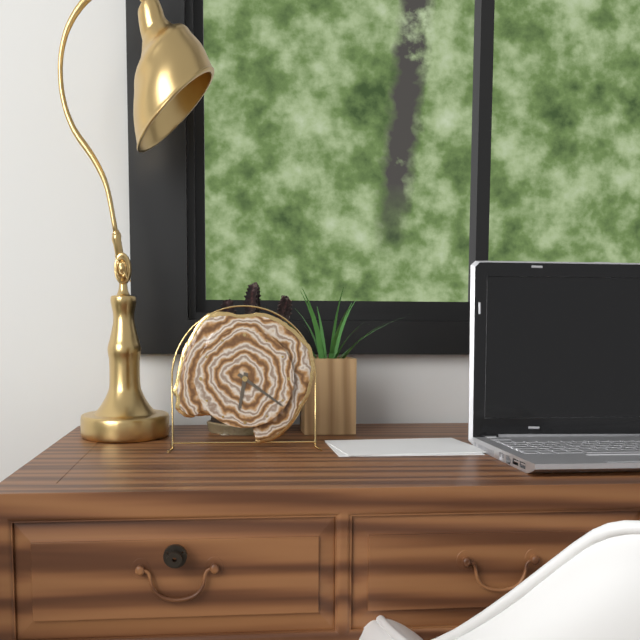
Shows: h=6 m=21
